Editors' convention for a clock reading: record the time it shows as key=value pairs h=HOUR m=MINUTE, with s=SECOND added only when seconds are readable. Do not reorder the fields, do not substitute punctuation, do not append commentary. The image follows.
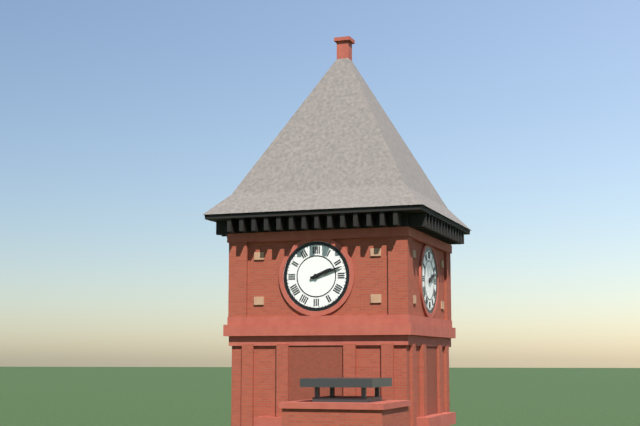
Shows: h=2 m=12
